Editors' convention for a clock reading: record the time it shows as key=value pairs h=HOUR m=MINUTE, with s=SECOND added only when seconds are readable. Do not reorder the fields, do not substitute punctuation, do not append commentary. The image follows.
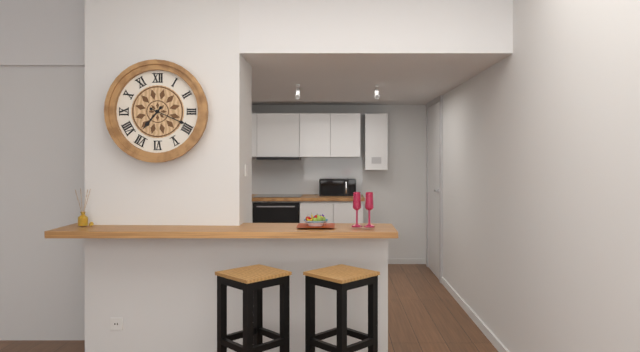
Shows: h=7 m=19
